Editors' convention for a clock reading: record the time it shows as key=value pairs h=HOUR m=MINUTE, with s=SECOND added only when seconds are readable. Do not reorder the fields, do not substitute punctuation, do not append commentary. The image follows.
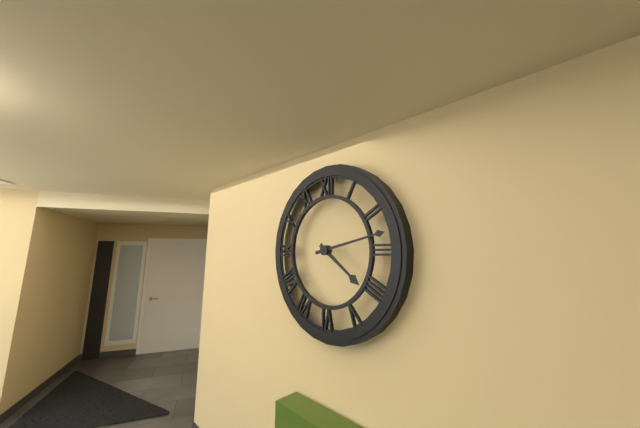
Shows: h=4 m=13
